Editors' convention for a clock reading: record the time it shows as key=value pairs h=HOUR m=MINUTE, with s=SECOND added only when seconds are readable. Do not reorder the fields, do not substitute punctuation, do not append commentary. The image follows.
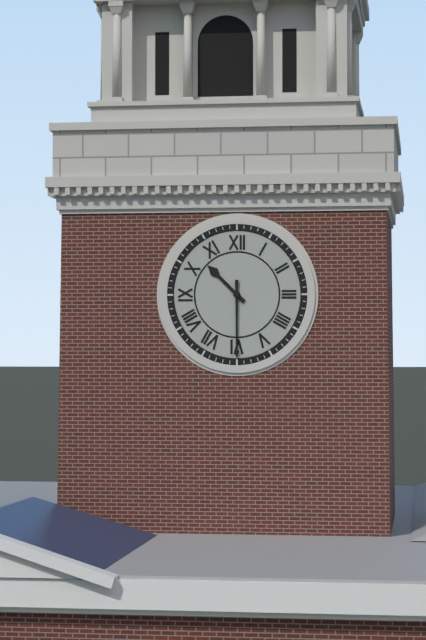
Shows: h=10 m=30
